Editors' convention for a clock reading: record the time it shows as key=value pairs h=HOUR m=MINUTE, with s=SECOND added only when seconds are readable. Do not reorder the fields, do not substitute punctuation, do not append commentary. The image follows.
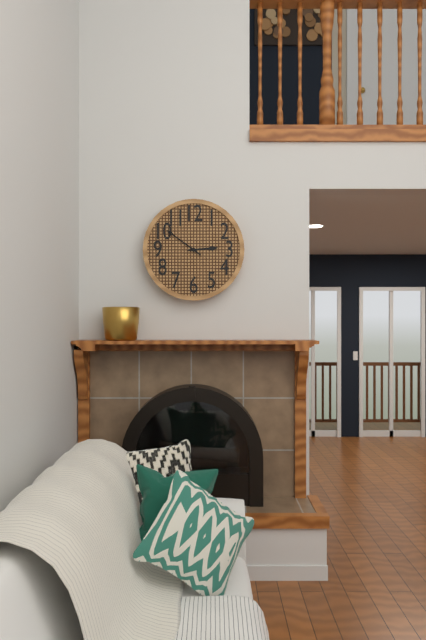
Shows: h=2 m=51
